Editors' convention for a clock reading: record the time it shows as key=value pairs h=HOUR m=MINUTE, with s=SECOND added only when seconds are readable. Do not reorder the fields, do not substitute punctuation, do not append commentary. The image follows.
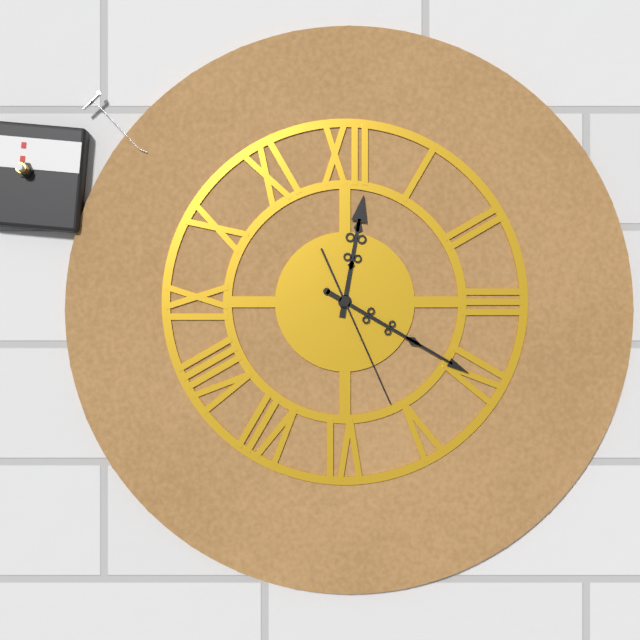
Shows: h=12 m=20 s=26
